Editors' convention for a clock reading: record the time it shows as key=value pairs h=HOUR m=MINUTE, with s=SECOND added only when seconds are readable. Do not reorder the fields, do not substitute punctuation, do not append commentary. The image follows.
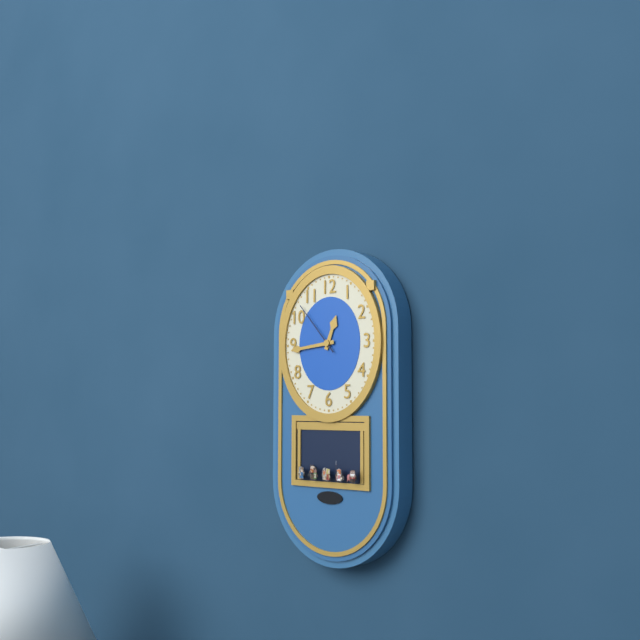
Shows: h=12 m=44 s=53
